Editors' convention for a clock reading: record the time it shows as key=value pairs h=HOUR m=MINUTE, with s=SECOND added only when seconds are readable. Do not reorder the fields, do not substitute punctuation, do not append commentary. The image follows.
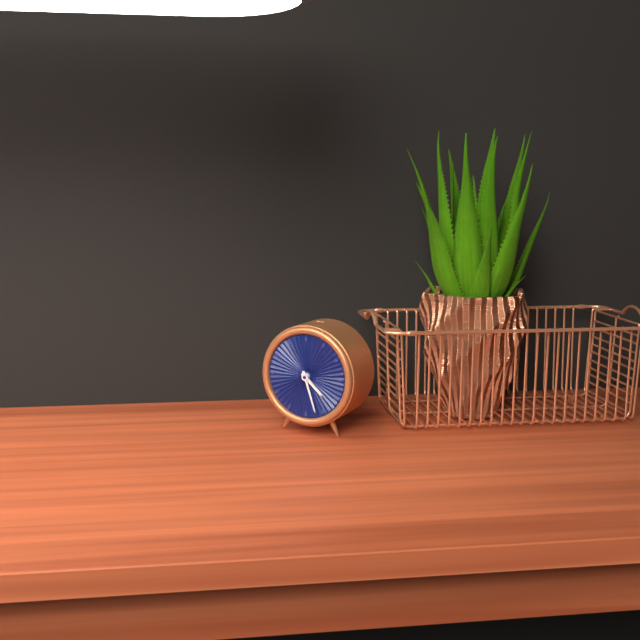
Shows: h=4 m=27
